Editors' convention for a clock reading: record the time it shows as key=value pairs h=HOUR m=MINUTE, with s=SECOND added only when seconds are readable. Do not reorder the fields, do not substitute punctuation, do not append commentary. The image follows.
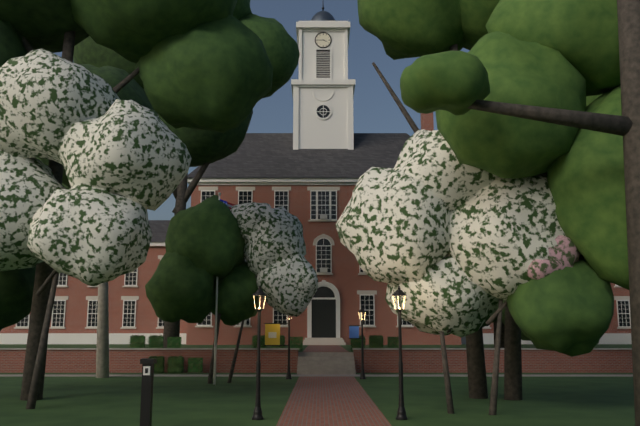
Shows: h=3 m=45
